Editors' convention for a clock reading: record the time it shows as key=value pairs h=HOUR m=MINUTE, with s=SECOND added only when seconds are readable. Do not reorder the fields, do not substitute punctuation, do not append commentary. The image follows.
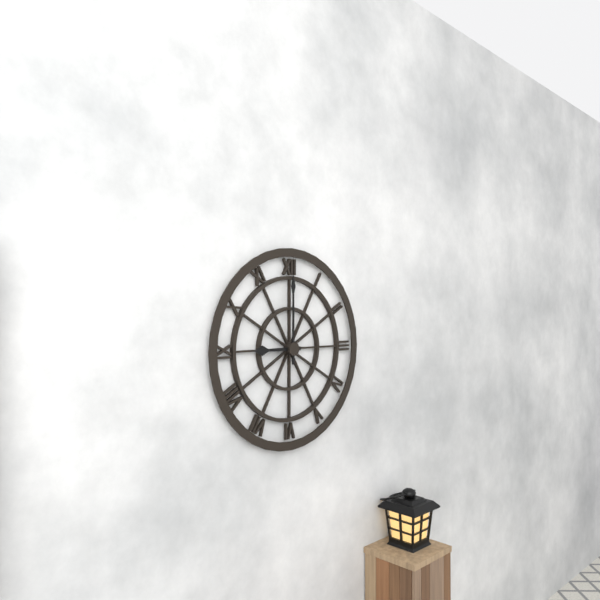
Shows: h=9 m=0
